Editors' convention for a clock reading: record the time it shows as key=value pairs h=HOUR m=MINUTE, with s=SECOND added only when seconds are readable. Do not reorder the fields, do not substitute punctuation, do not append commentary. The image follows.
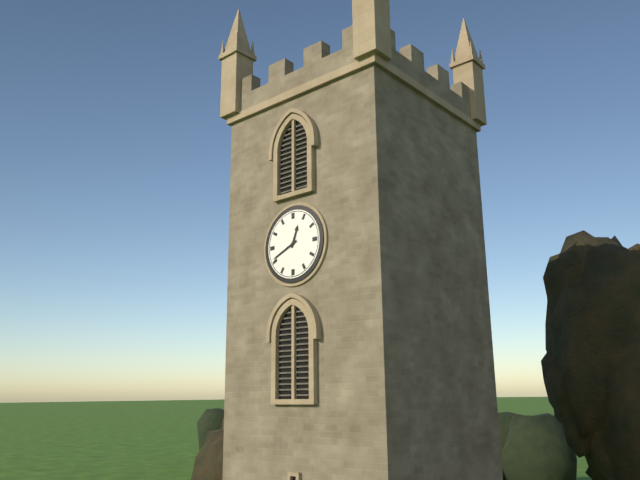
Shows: h=12 m=41
